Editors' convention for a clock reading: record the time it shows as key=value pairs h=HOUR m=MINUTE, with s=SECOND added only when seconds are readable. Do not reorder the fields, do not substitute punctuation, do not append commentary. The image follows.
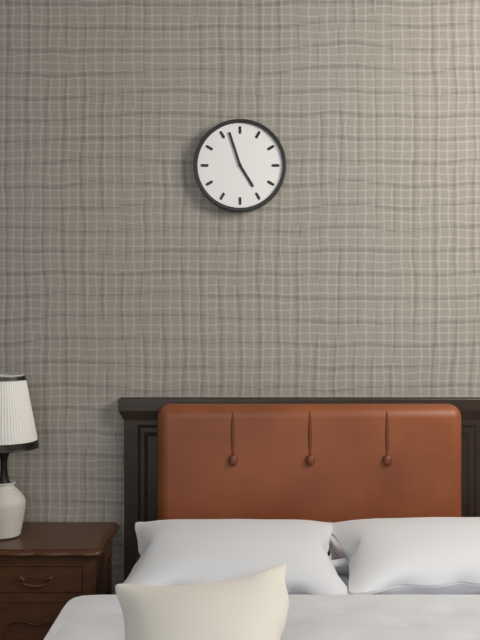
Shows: h=4 m=57
